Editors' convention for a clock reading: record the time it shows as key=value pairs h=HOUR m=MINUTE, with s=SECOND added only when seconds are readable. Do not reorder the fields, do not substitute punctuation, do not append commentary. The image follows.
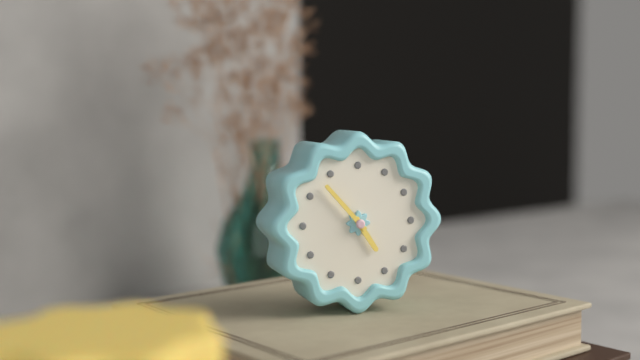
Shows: h=4 m=53
